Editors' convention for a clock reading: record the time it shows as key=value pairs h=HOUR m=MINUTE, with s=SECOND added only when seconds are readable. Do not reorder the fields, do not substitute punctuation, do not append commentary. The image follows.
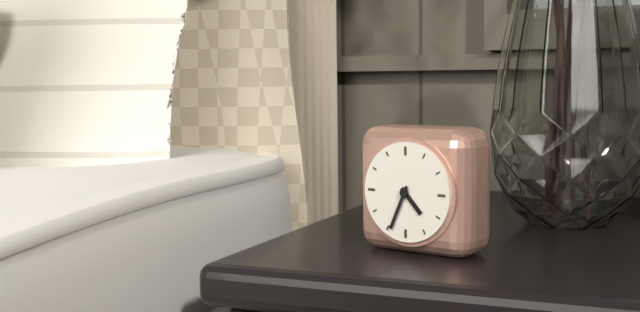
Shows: h=4 m=34
